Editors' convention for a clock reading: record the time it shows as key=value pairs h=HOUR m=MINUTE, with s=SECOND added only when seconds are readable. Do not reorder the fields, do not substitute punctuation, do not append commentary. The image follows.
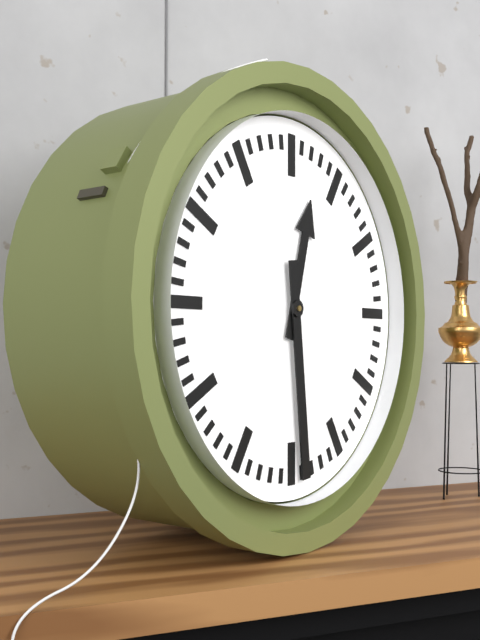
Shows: h=12 m=29
